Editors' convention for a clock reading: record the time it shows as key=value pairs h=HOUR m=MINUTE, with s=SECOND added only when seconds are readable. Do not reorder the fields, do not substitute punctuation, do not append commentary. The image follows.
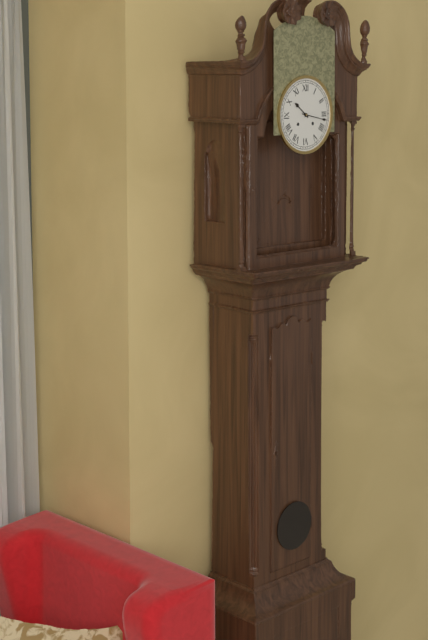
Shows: h=10 m=17
